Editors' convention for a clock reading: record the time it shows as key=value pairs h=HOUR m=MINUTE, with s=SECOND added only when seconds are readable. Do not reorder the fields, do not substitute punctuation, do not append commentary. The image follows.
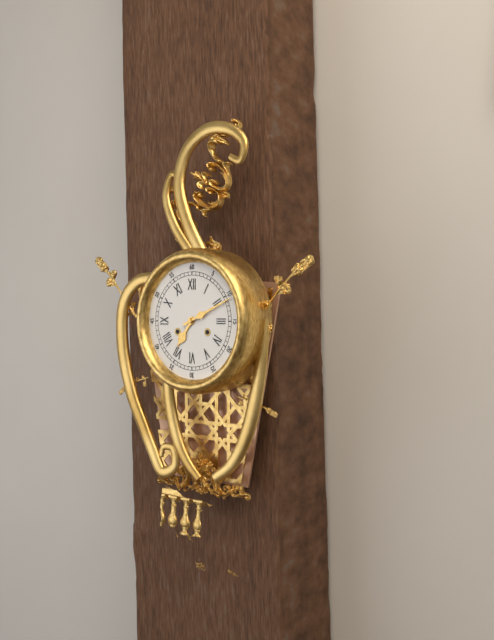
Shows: h=7 m=11
